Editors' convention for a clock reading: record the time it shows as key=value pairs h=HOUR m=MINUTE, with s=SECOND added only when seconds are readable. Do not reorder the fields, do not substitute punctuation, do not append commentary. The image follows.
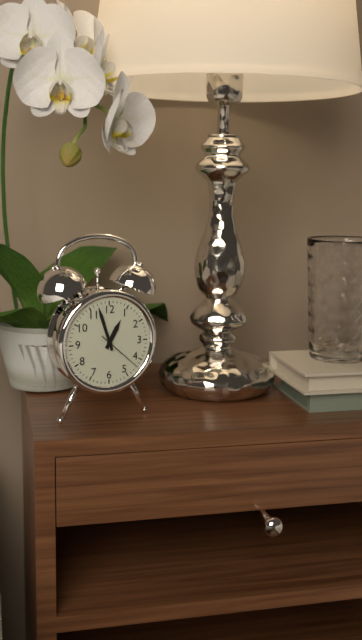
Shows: h=12 m=57
